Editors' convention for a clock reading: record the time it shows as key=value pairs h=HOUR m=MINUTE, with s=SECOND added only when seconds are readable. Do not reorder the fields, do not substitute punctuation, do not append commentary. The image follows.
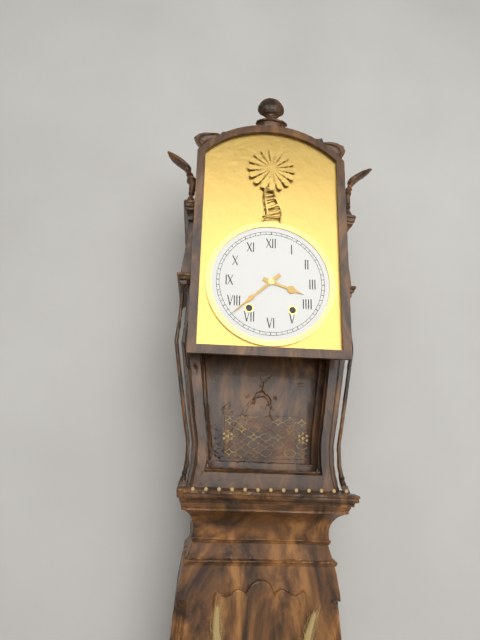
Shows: h=3 m=38
